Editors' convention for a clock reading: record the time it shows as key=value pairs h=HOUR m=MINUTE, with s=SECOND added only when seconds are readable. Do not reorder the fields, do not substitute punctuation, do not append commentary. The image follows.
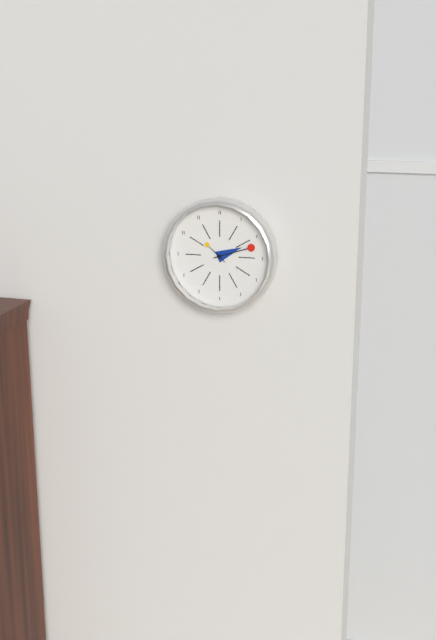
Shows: h=2 m=12
